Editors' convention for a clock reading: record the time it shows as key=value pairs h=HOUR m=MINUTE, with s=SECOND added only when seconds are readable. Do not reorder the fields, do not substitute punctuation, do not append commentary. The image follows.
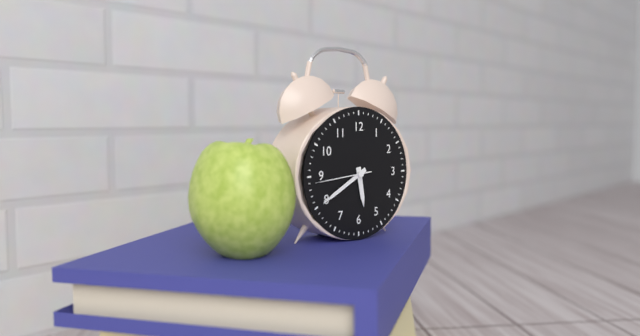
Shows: h=5 m=40 s=44
